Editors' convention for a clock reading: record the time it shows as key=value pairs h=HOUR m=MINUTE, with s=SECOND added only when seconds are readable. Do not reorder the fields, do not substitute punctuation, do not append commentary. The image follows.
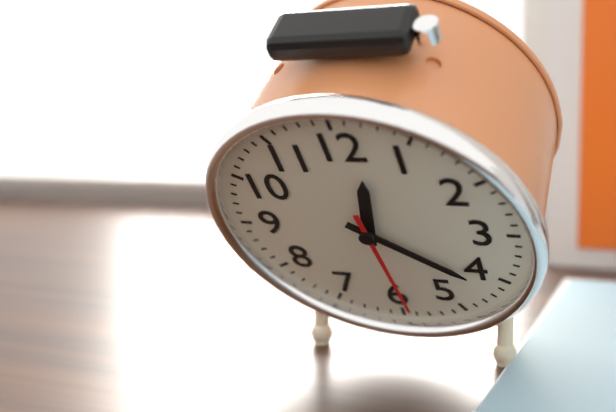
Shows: h=12 m=21 s=29
